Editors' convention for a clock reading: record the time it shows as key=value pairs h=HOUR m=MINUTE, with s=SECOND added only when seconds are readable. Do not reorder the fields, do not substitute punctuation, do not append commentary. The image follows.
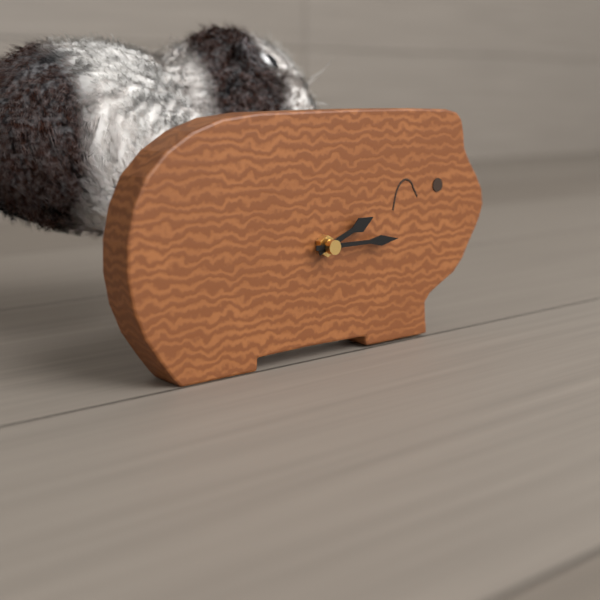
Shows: h=2 m=15
